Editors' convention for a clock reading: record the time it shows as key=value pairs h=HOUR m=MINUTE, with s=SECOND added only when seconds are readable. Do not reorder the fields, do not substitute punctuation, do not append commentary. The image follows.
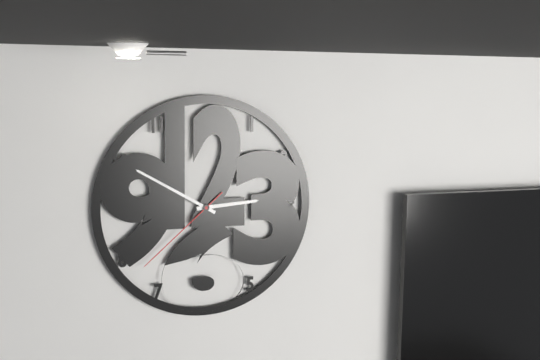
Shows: h=2 m=50 s=38
